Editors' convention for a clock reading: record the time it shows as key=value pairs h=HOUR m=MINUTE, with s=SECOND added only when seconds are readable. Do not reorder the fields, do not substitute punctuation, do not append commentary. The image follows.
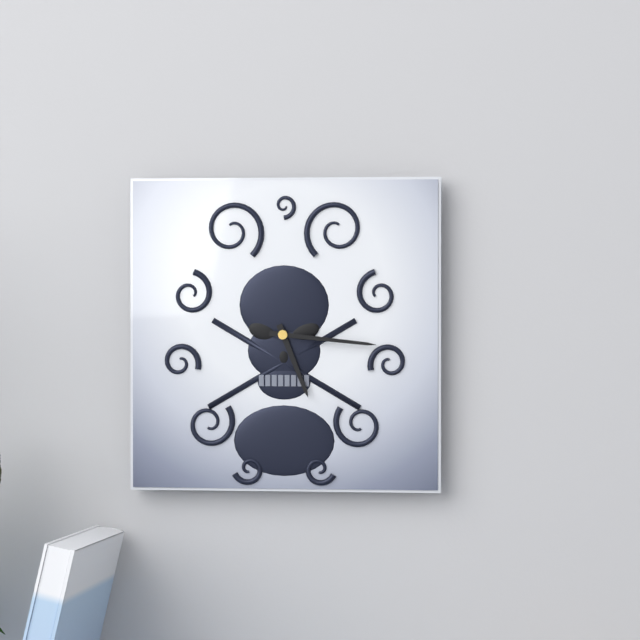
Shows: h=5 m=16
